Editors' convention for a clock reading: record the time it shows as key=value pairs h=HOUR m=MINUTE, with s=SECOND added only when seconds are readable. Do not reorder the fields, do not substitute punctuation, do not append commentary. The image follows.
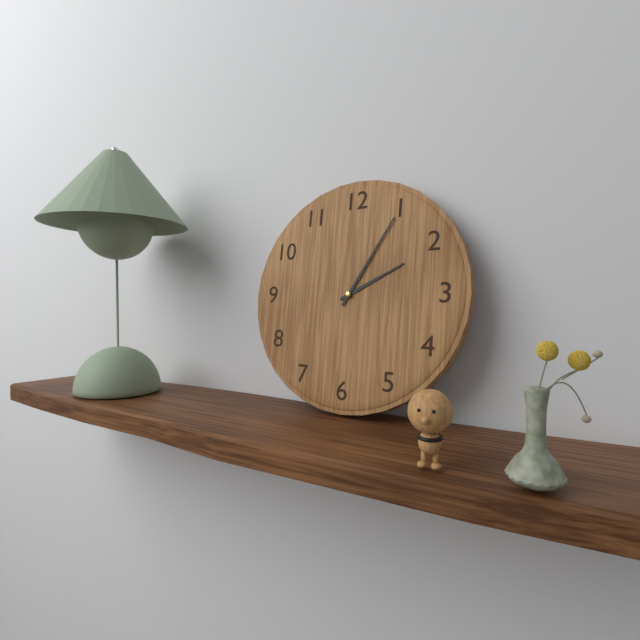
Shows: h=2 m=5
